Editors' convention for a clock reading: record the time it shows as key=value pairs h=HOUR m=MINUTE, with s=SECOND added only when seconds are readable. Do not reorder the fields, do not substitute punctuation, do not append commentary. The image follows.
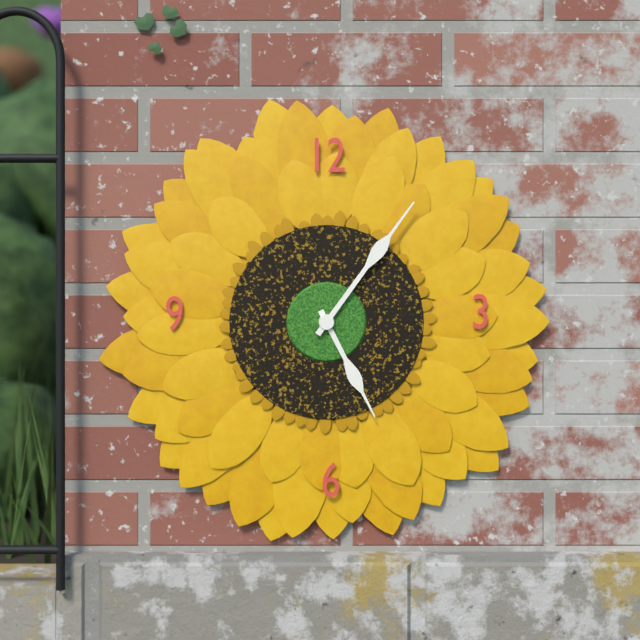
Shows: h=5 m=6
